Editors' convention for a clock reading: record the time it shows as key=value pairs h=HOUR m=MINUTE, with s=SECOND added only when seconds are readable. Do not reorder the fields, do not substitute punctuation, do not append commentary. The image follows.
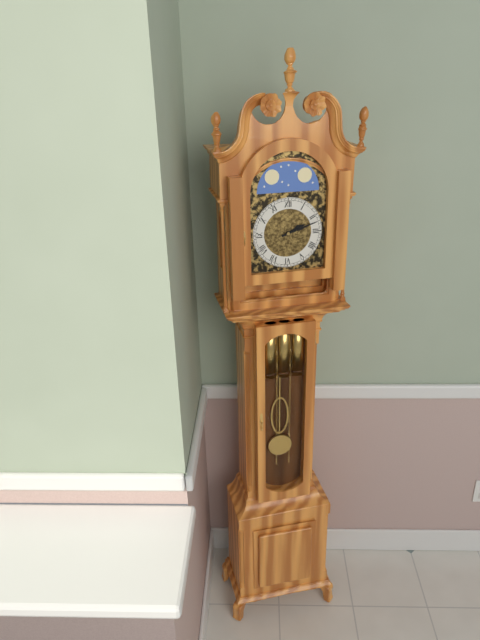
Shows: h=2 m=12
